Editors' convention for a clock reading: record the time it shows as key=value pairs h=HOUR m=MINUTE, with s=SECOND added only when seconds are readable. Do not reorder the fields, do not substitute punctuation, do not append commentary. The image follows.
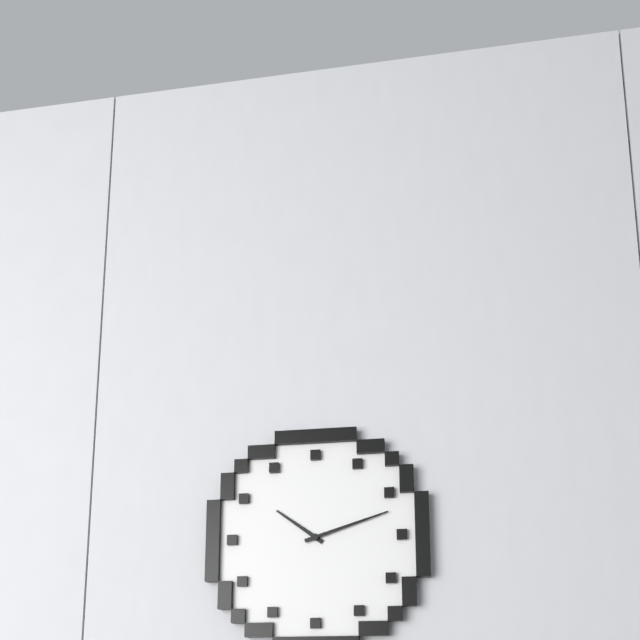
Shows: h=10 m=12
